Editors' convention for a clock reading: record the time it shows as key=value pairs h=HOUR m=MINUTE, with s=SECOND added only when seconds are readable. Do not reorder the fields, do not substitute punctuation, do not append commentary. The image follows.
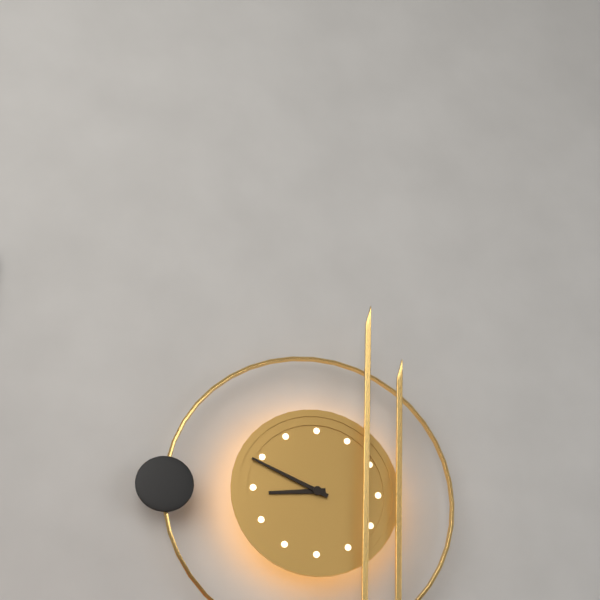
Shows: h=8 m=49
